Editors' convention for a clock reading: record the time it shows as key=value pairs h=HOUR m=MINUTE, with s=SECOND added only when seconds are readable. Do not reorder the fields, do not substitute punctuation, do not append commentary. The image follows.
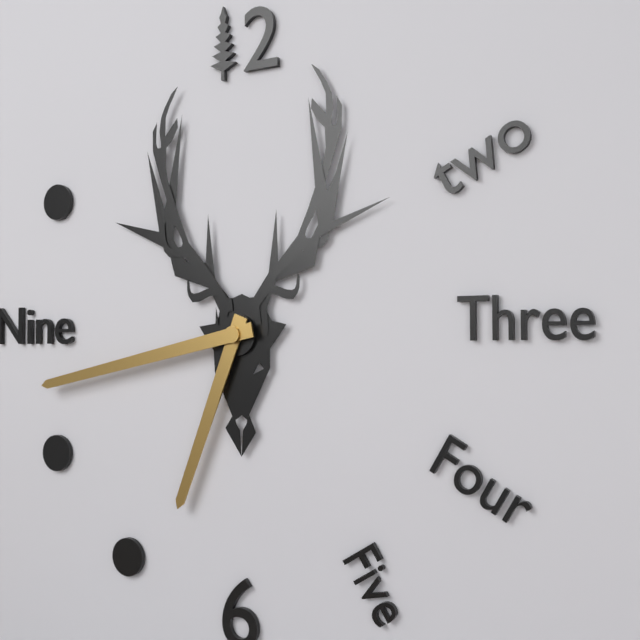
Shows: h=6 m=43
